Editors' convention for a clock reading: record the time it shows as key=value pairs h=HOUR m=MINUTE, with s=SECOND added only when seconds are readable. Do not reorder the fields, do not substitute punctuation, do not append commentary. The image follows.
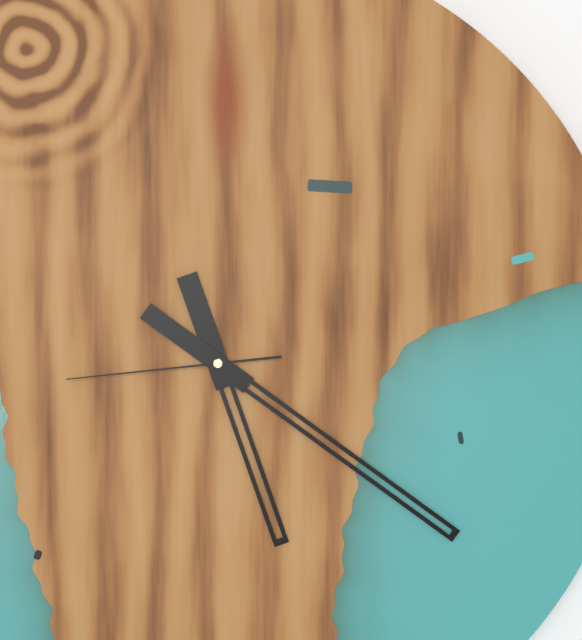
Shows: h=5 m=21 s=44
